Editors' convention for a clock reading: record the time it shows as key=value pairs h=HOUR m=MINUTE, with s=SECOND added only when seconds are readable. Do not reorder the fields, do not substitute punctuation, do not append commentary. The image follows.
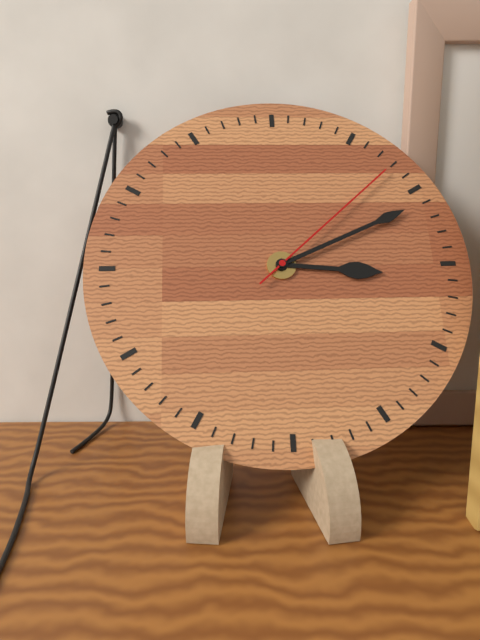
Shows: h=3 m=11 s=8
